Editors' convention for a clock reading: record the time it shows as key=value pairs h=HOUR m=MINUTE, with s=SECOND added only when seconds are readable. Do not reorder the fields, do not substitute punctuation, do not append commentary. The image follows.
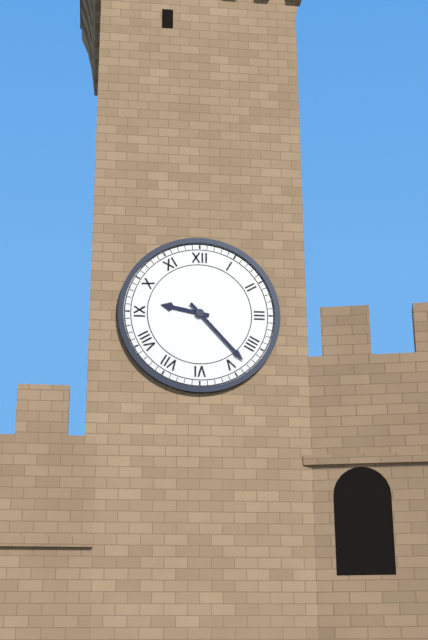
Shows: h=9 m=23
